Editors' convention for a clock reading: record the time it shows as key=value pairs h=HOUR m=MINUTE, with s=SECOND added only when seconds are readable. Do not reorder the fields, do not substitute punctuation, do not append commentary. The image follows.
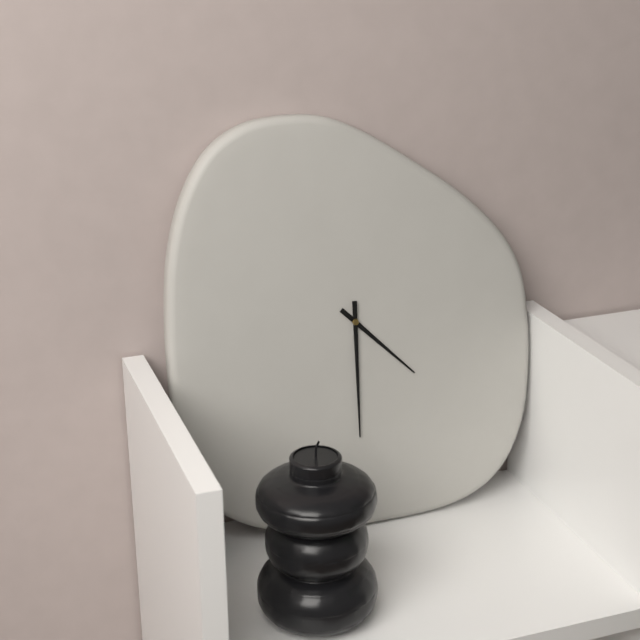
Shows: h=4 m=30
